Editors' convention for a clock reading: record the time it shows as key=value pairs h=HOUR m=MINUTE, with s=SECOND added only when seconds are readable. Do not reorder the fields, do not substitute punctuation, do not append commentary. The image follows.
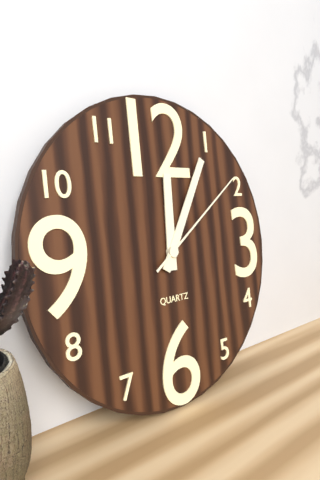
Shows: h=12 m=5 s=9
